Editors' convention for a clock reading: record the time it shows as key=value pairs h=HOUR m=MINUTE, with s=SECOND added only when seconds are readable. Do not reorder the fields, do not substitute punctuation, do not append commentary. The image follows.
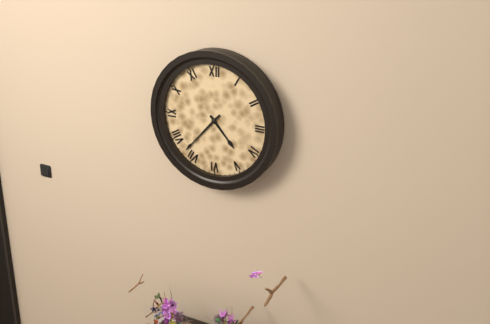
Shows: h=4 m=37
